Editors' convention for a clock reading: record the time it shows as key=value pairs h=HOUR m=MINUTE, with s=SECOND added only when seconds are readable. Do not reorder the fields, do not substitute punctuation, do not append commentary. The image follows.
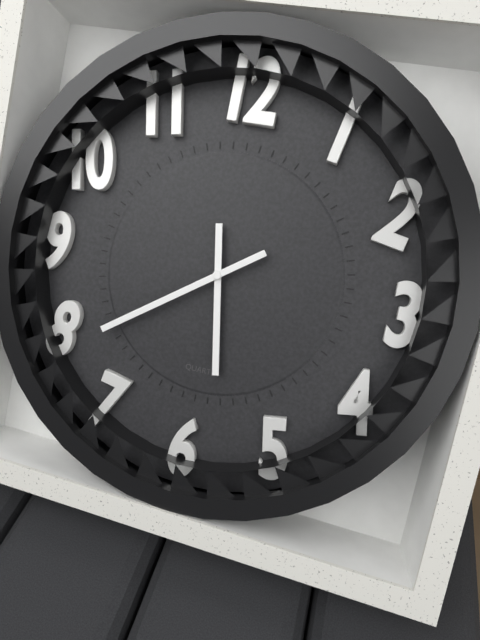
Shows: h=5 m=39
